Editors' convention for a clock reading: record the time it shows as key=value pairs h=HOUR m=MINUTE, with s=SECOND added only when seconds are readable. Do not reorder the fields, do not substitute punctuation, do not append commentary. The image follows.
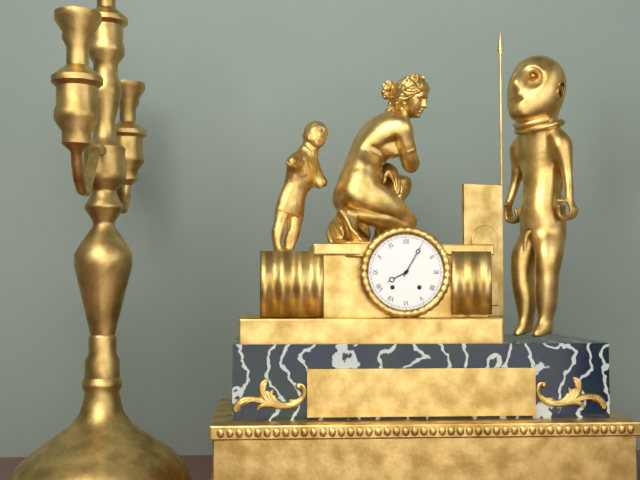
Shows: h=8 m=5
